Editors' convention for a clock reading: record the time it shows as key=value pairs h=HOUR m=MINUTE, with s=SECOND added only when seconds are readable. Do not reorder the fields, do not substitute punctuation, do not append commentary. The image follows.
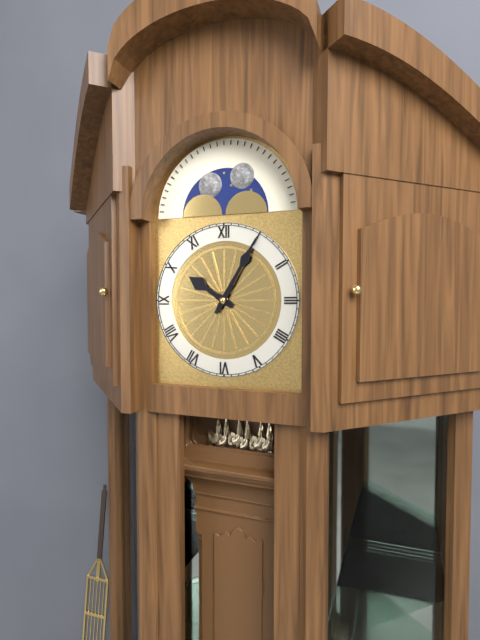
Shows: h=10 m=5
